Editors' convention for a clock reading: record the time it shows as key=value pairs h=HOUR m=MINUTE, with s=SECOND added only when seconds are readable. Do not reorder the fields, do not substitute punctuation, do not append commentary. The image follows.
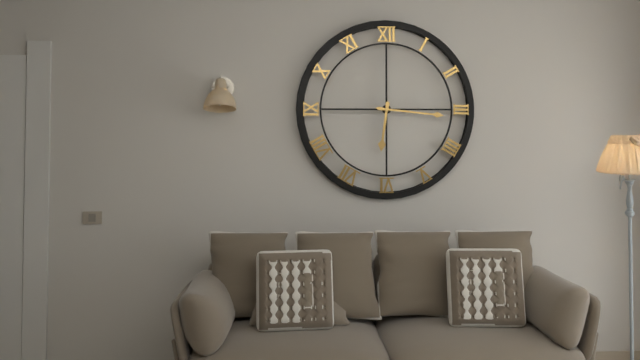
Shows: h=6 m=16
